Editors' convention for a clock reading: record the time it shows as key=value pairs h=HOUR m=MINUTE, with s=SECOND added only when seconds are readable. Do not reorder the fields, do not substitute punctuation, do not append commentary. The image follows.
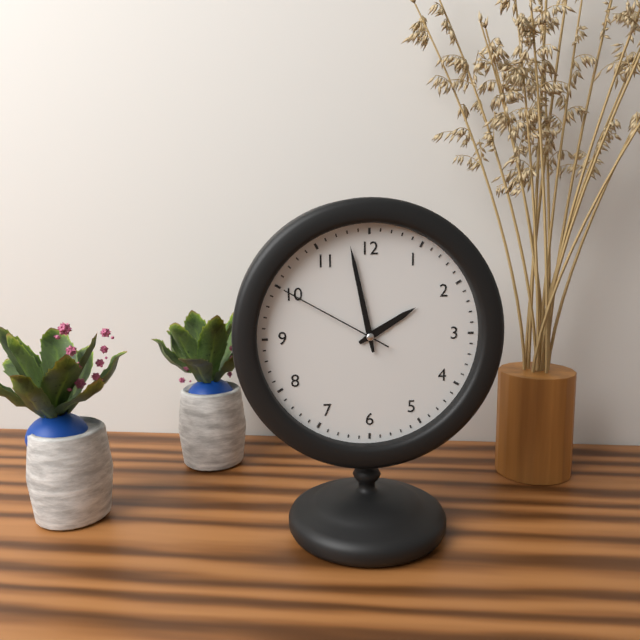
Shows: h=1 m=58 s=50
